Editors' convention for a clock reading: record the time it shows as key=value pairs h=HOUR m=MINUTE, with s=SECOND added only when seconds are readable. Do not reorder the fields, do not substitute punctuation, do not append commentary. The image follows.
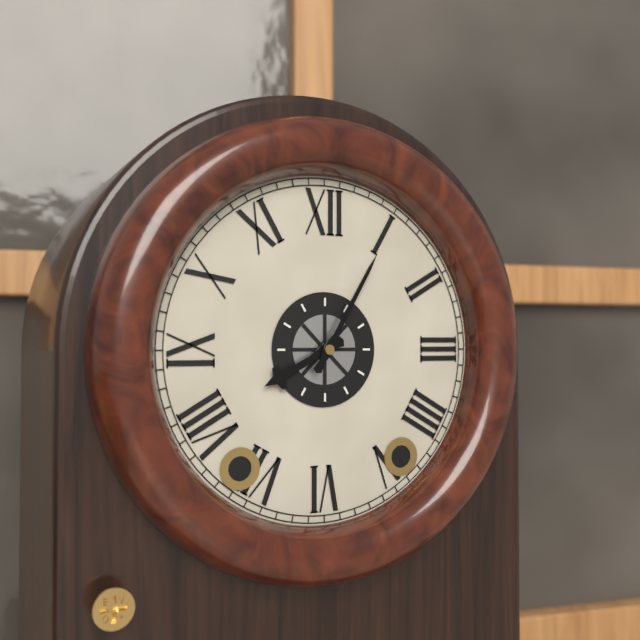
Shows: h=8 m=5
